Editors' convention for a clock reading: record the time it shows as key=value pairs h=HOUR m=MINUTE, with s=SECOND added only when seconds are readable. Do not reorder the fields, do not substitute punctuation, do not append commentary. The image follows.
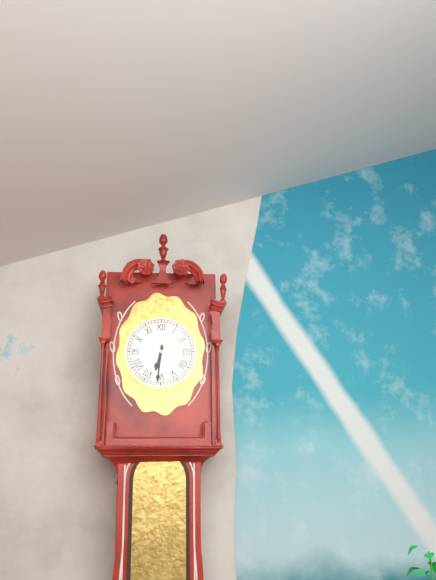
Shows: h=6 m=31
